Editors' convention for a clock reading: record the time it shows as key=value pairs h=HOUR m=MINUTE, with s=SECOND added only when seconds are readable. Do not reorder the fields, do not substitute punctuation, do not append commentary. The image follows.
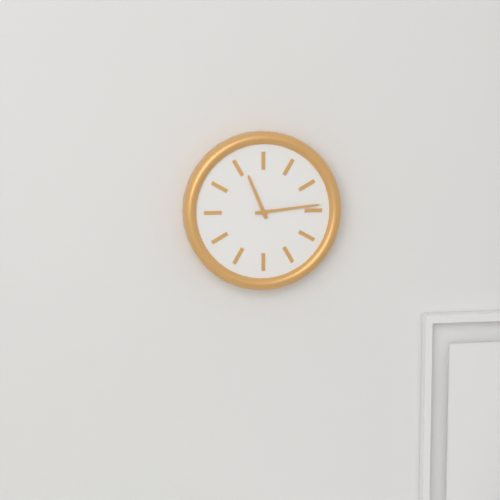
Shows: h=11 m=14
